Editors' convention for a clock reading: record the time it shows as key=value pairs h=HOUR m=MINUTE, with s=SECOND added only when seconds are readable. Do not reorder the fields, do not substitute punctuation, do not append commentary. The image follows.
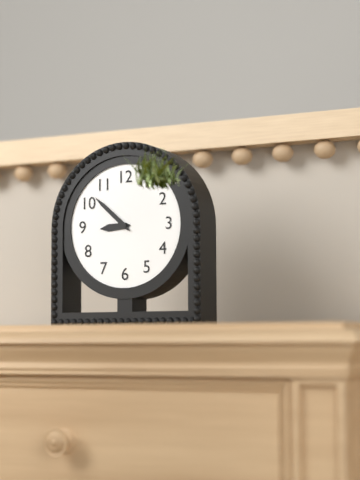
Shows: h=8 m=52
